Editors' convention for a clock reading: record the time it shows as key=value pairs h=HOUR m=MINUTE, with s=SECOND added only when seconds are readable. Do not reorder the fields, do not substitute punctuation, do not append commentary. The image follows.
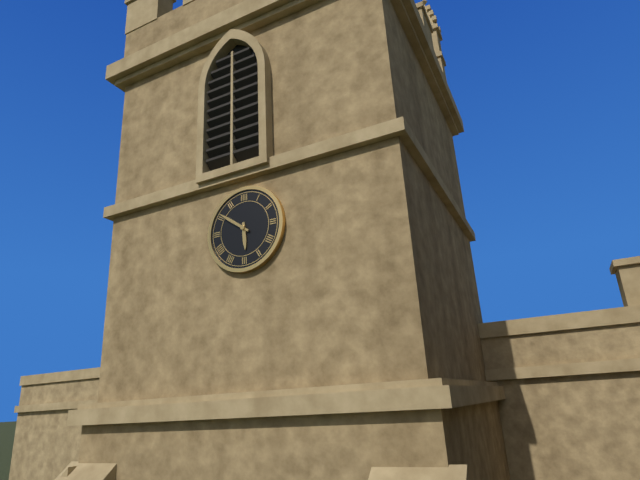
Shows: h=5 m=51
